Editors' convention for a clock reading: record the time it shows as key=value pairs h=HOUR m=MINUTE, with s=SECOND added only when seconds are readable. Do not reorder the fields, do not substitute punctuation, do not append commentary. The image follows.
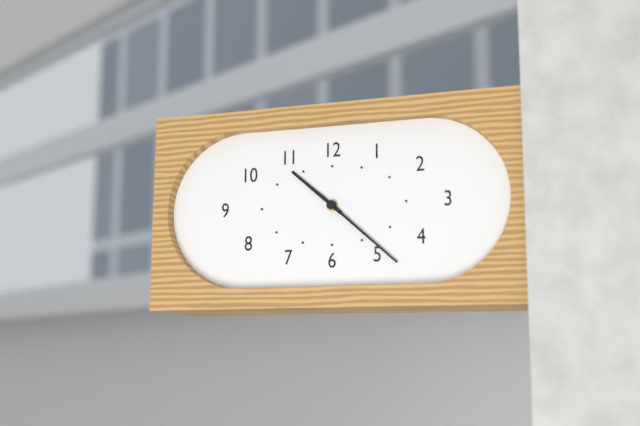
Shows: h=10 m=22
